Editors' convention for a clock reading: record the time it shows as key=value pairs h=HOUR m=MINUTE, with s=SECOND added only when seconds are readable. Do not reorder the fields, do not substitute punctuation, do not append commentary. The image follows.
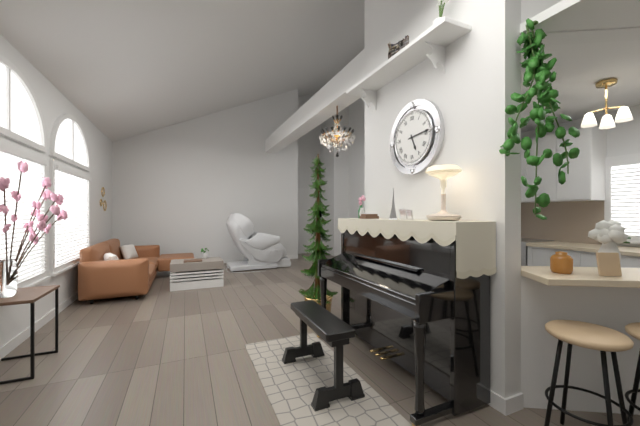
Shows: h=5 m=14
